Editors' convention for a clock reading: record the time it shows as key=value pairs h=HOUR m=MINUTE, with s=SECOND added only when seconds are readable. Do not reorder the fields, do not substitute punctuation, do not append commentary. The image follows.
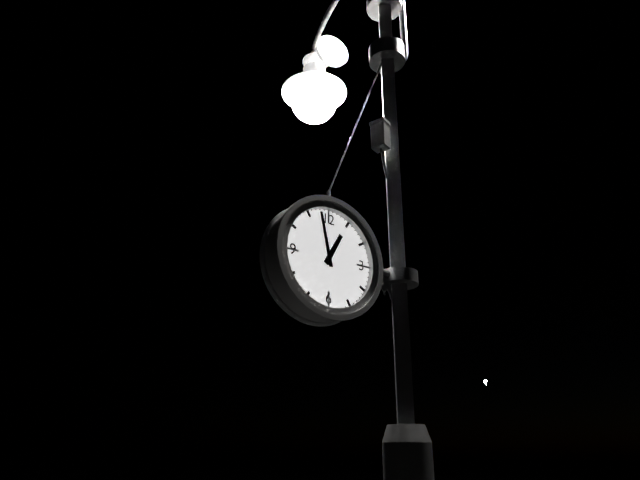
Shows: h=12 m=58
